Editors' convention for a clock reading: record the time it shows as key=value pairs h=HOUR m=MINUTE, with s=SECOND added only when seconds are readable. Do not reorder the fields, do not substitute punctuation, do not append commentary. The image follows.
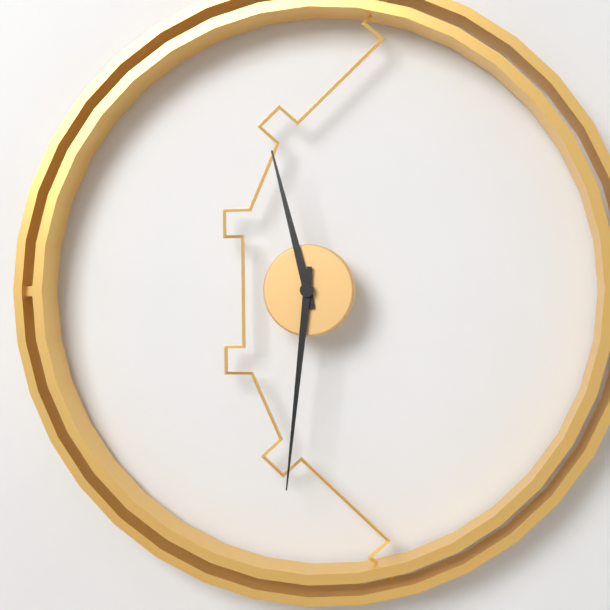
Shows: h=11 m=31
